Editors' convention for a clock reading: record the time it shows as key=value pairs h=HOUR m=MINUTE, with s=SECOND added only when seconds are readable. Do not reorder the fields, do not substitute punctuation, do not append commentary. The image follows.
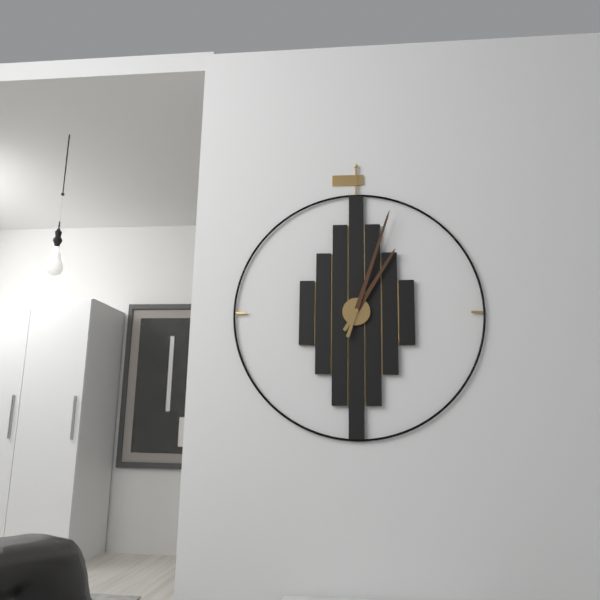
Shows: h=1 m=3
